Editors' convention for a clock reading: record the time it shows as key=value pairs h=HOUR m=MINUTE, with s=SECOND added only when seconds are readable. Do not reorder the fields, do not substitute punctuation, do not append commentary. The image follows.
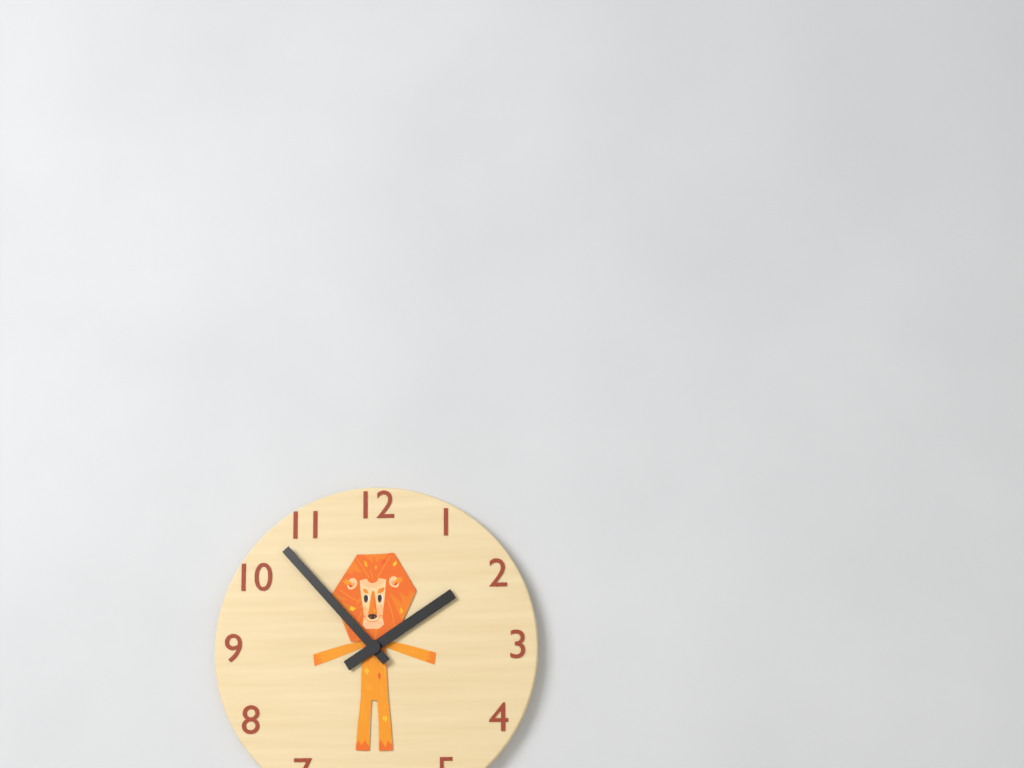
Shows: h=1 m=53
